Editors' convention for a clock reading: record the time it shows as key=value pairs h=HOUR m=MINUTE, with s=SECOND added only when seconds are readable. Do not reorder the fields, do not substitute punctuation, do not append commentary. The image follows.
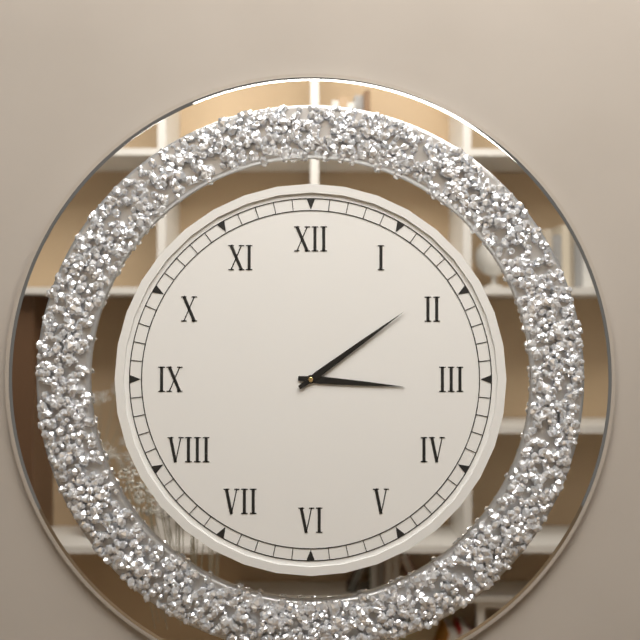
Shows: h=3 m=9
